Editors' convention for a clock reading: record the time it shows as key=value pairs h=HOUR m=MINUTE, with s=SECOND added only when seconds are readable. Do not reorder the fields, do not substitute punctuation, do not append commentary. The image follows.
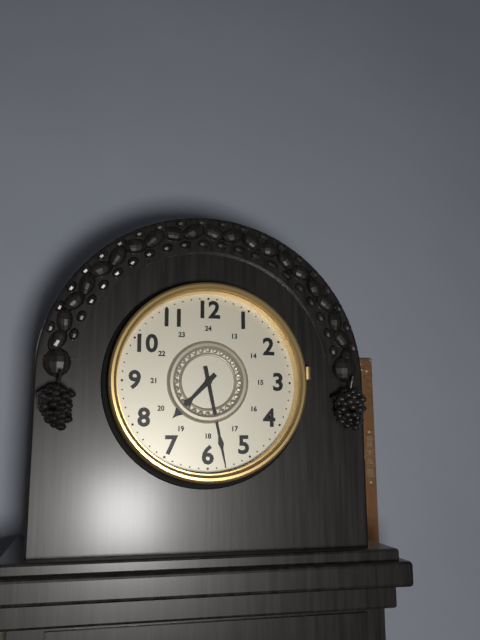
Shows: h=7 m=28
